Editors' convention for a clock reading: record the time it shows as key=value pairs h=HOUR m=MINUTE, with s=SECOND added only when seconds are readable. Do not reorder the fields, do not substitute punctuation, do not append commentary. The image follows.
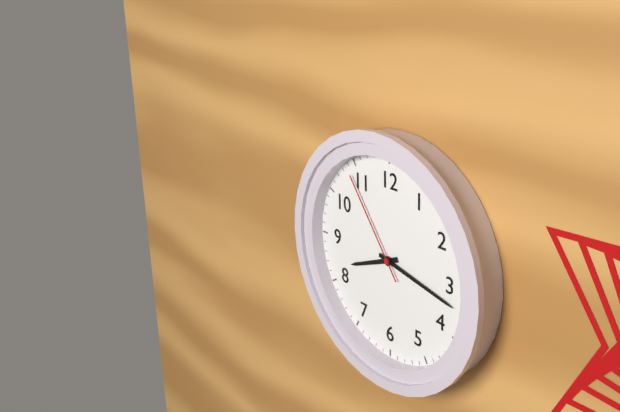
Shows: h=8 m=17 s=54
